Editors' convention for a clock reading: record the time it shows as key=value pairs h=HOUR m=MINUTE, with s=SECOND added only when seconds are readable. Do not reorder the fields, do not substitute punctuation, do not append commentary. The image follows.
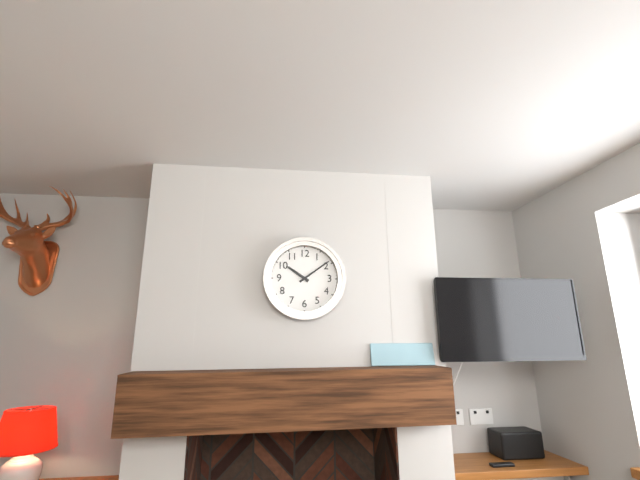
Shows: h=10 m=9
